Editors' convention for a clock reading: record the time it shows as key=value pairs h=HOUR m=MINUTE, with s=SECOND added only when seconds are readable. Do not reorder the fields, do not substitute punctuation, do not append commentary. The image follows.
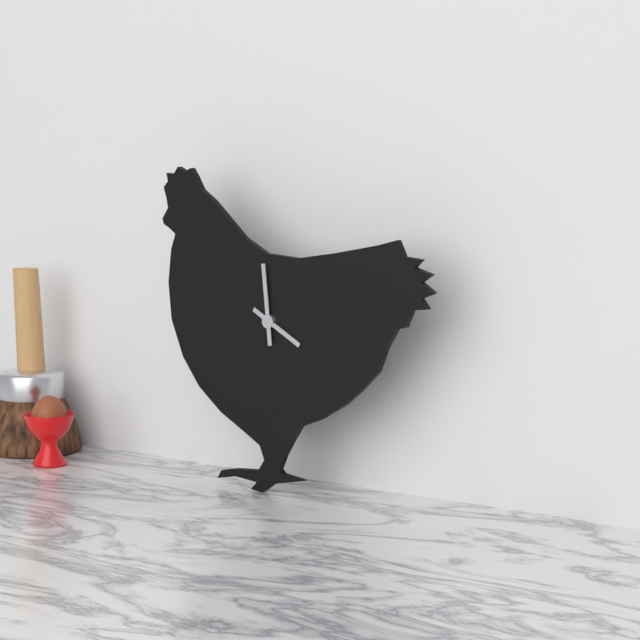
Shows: h=3 m=59
